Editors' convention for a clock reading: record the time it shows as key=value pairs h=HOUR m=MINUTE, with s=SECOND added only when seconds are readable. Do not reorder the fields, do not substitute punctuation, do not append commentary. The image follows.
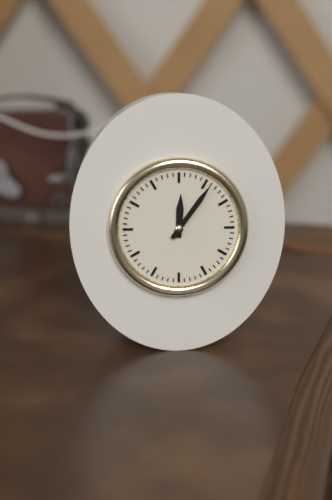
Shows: h=12 m=6
